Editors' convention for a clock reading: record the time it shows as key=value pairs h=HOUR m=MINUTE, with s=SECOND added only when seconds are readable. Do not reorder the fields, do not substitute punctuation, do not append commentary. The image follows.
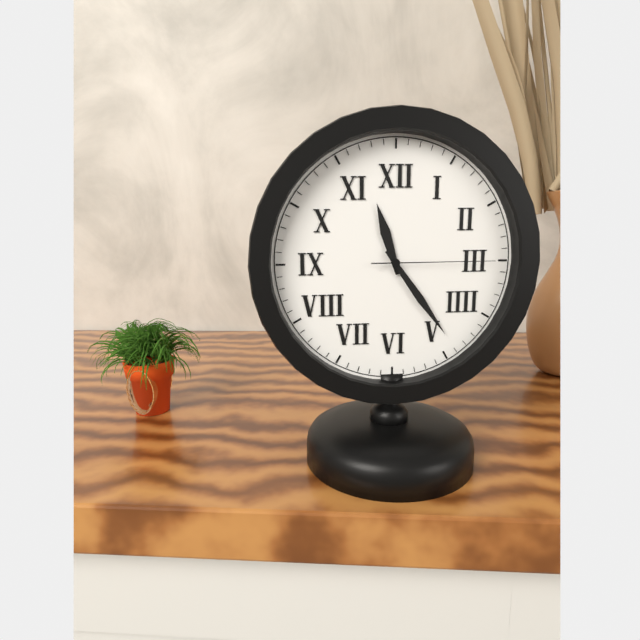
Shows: h=11 m=24 s=15
